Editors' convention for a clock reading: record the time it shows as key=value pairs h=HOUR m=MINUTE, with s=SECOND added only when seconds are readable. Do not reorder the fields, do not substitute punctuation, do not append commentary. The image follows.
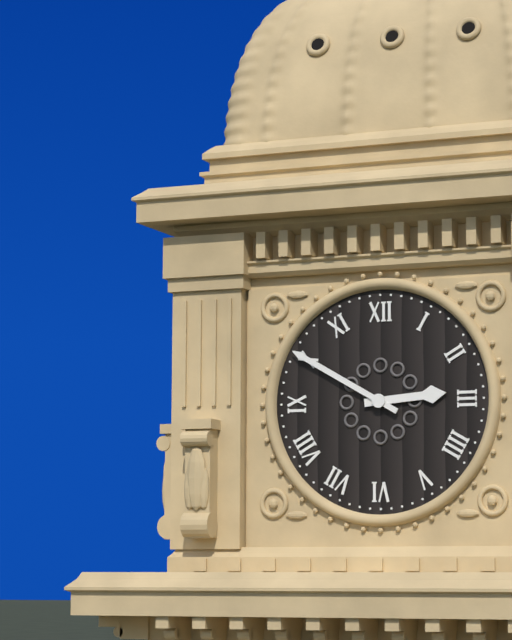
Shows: h=2 m=50
